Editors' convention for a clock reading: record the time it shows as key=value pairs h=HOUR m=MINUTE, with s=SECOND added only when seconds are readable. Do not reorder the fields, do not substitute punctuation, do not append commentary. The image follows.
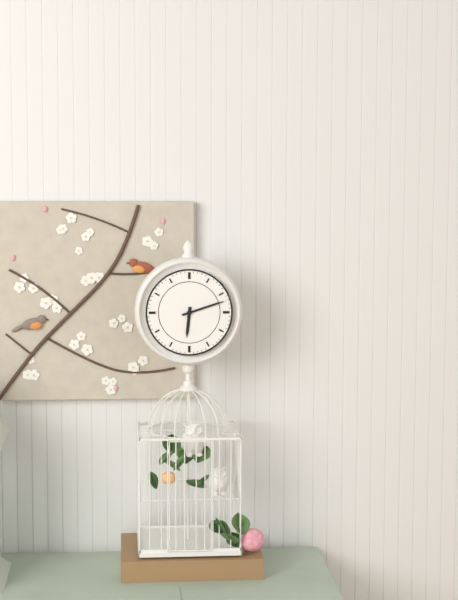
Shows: h=6 m=12
